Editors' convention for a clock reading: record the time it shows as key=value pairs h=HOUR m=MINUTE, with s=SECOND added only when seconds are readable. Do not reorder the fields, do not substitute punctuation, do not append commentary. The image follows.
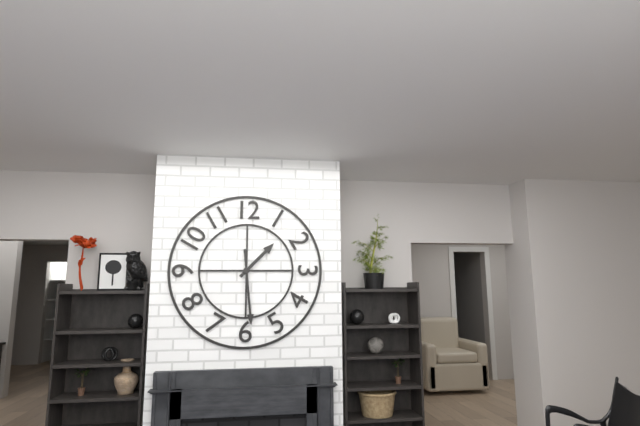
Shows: h=1 m=29
